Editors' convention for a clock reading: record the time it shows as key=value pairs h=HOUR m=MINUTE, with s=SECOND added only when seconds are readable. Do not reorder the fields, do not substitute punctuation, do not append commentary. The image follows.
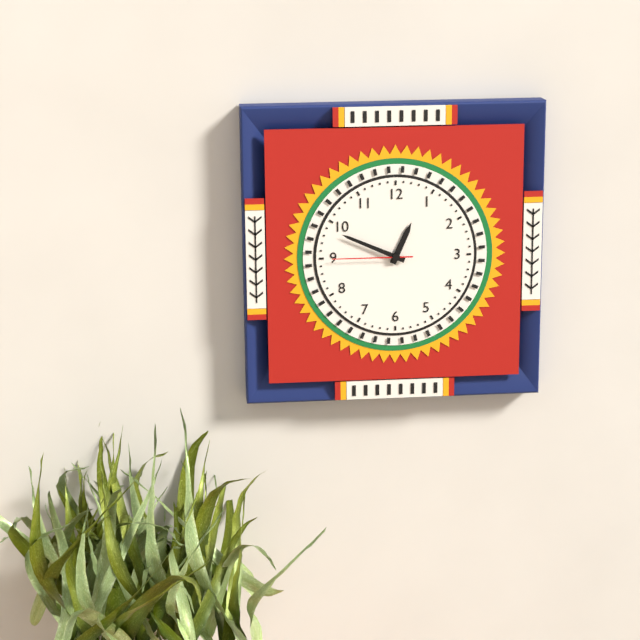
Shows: h=12 m=49 s=45
